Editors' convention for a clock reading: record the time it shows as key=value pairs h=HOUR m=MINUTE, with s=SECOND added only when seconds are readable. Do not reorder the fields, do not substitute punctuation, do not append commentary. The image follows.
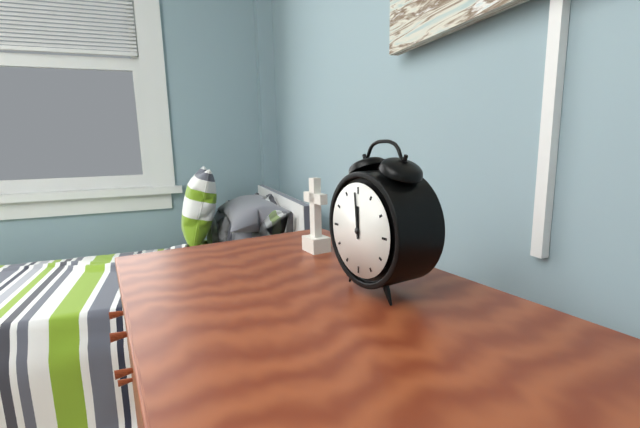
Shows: h=11 m=59
